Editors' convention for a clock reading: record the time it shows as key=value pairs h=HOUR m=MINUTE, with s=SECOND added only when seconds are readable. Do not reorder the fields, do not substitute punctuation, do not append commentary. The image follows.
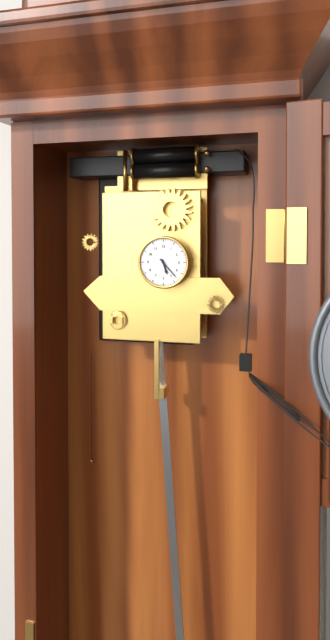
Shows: h=5 m=23
